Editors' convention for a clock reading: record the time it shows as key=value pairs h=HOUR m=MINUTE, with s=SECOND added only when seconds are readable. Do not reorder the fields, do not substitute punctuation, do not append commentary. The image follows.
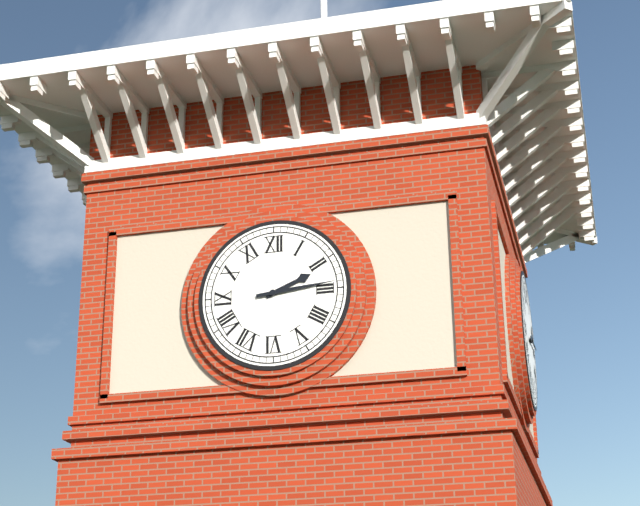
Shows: h=2 m=14
